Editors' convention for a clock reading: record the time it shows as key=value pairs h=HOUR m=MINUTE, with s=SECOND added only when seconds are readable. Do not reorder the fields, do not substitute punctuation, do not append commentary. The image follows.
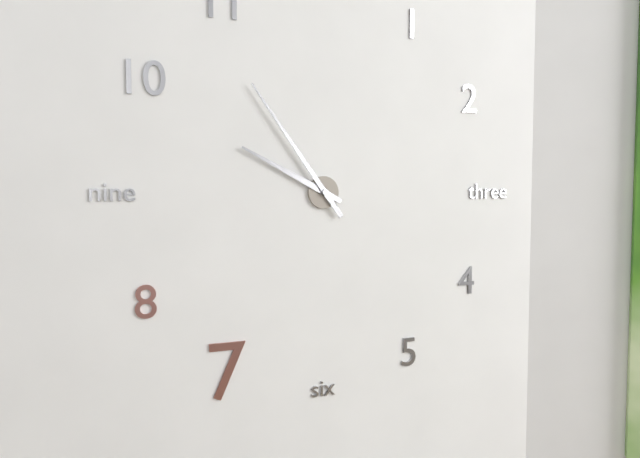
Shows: h=9 m=54
